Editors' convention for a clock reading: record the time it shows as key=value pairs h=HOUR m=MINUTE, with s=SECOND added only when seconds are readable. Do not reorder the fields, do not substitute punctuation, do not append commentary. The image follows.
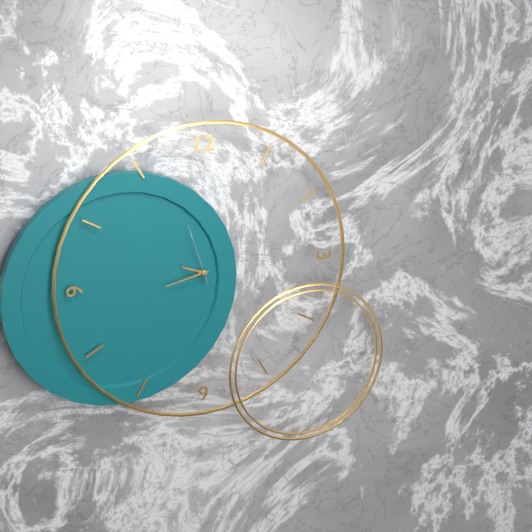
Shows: h=9 m=43 s=57
